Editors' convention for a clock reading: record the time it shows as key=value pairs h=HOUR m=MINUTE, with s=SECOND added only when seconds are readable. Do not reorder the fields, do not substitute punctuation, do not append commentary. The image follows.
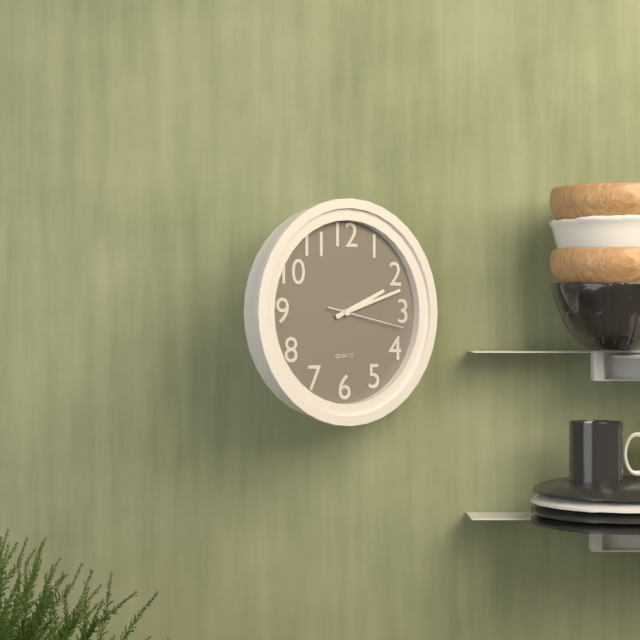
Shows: h=2 m=12 s=17
